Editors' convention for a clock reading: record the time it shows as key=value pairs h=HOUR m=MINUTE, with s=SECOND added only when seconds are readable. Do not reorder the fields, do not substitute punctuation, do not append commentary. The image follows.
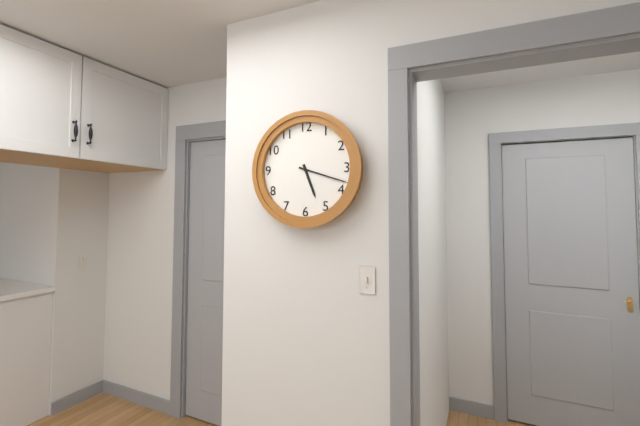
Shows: h=5 m=18
